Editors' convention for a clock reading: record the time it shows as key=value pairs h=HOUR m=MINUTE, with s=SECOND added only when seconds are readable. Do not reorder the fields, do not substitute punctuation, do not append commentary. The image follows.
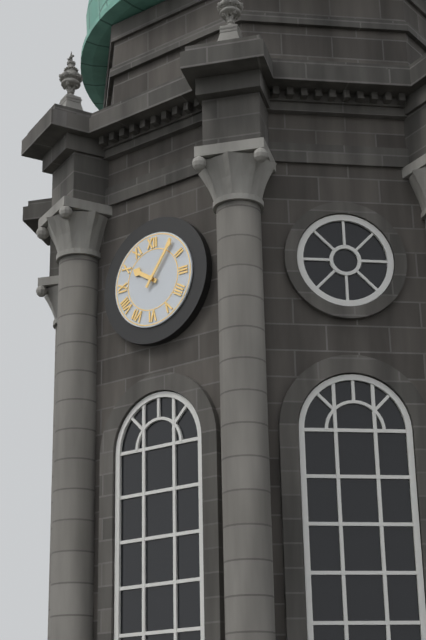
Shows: h=10 m=6
